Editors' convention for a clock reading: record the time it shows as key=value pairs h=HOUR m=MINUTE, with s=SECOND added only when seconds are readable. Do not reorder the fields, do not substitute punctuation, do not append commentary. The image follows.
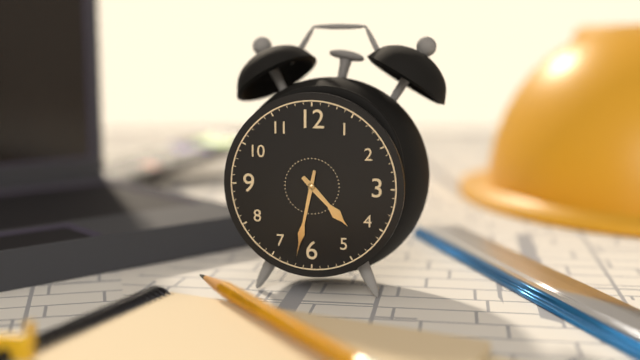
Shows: h=4 m=32
